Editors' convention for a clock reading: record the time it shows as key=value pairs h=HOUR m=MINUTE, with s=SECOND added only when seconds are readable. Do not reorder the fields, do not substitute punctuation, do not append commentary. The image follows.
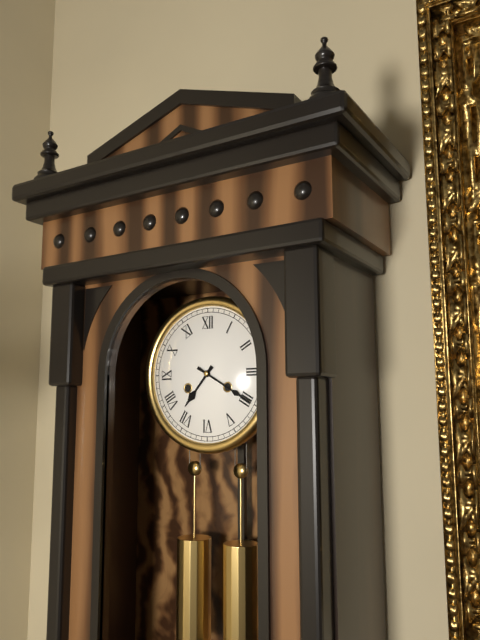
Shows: h=7 m=20
